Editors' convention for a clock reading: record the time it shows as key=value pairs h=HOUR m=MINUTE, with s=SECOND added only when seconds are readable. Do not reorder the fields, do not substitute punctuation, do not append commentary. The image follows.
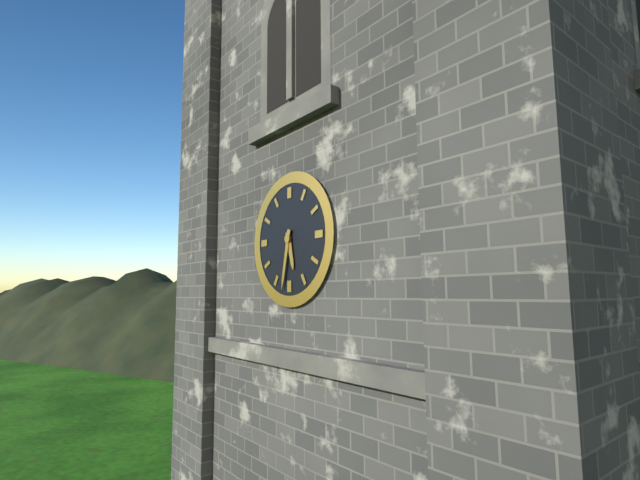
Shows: h=5 m=32
